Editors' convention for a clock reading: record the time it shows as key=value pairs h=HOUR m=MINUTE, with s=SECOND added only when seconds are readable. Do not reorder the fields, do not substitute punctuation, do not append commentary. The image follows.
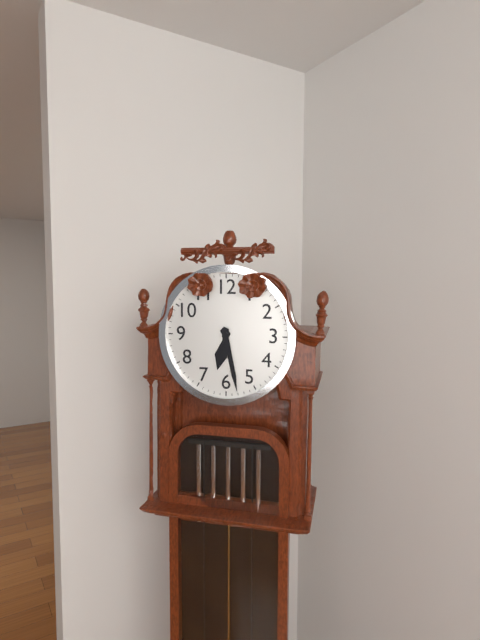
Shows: h=6 m=28
